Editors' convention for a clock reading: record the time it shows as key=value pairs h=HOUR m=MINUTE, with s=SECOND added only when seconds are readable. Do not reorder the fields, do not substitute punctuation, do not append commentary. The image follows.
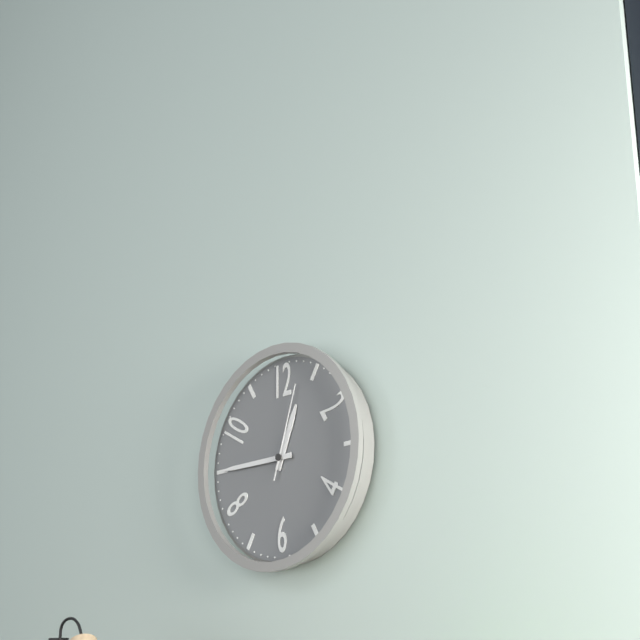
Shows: h=12 m=45 s=3
